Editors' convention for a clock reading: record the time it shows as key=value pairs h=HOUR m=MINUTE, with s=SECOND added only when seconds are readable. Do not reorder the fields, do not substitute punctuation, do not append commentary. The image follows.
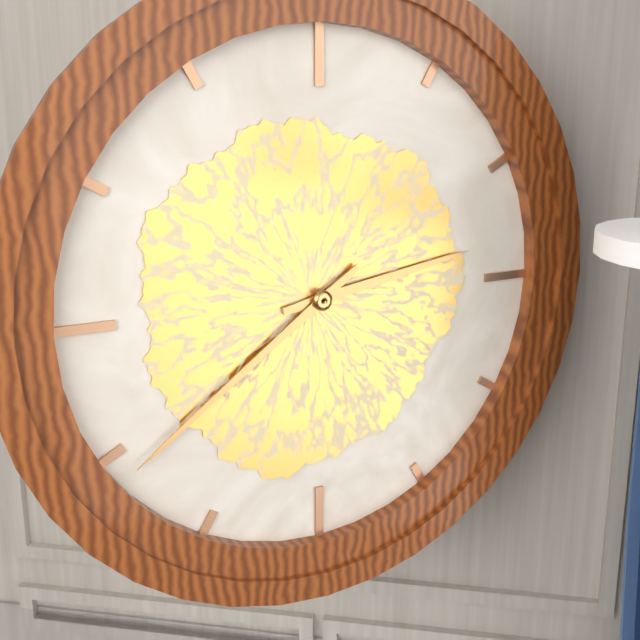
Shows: h=2 m=39
